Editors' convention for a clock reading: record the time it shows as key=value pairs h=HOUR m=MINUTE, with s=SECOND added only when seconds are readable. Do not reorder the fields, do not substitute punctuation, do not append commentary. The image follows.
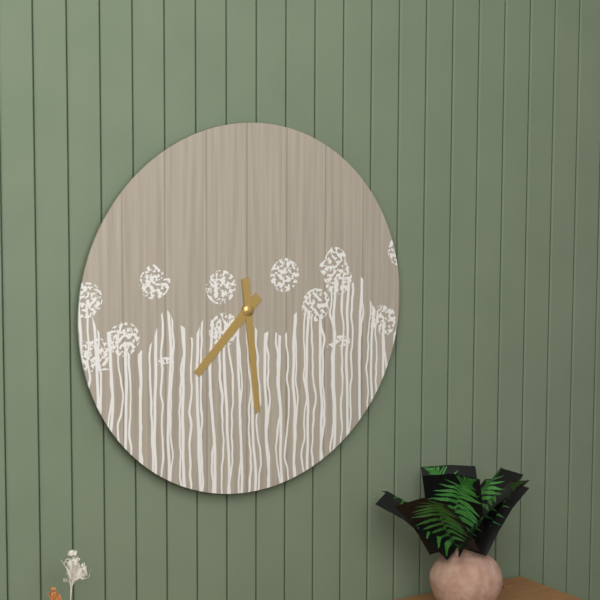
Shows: h=7 m=29
